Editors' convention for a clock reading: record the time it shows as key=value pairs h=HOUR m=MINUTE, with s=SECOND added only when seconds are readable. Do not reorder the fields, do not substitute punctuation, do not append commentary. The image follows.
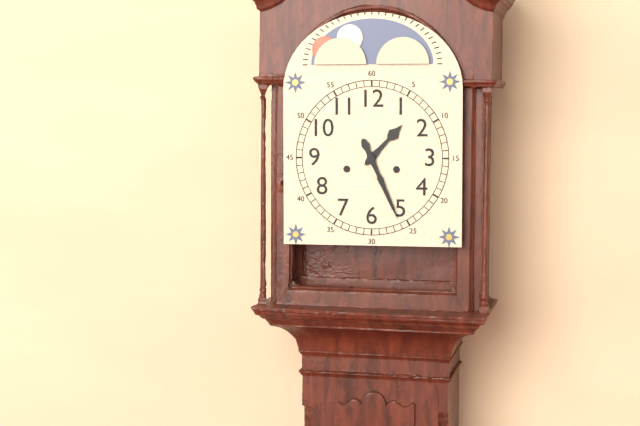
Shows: h=1 m=26
